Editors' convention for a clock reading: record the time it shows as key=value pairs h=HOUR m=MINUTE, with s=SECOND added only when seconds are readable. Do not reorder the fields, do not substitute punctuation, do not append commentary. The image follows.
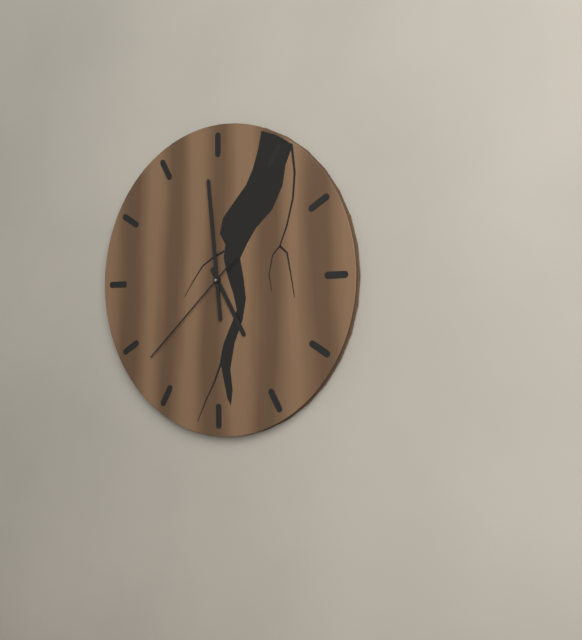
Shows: h=4 m=59 s=38
